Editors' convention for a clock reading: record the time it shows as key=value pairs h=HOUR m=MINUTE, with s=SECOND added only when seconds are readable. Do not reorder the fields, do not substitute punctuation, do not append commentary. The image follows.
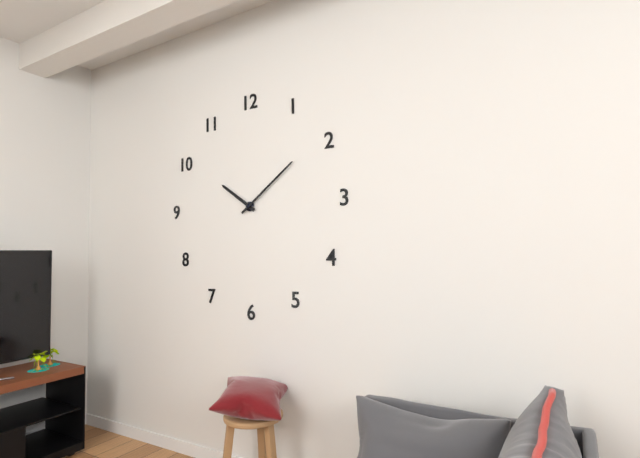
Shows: h=10 m=9
